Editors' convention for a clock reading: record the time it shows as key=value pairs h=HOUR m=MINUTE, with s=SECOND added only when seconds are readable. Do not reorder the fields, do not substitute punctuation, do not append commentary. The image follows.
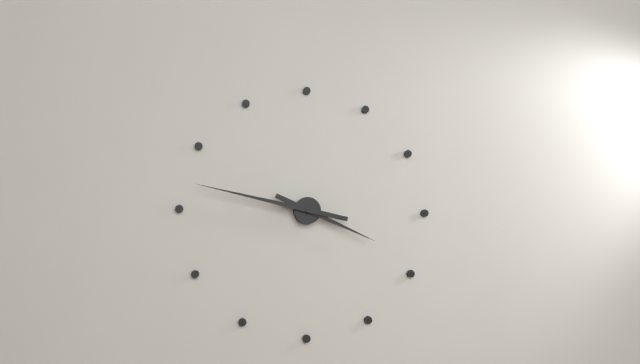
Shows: h=3 m=47
